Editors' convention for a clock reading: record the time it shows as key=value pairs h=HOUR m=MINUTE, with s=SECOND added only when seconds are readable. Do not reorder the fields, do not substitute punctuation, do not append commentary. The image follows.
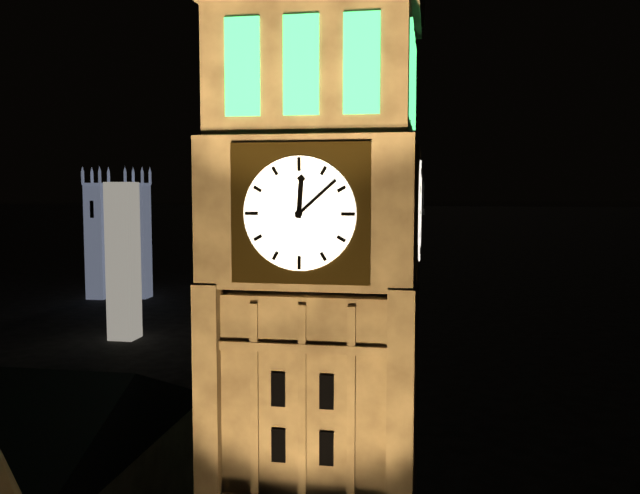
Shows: h=12 m=8
